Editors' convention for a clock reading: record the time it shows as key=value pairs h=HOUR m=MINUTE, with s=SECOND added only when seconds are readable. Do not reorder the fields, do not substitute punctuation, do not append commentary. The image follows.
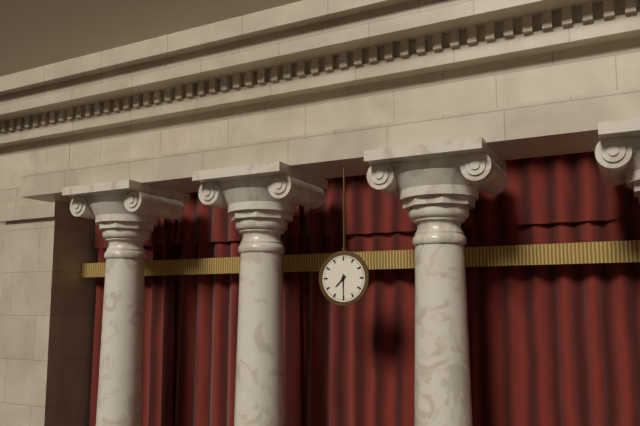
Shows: h=7 m=30
